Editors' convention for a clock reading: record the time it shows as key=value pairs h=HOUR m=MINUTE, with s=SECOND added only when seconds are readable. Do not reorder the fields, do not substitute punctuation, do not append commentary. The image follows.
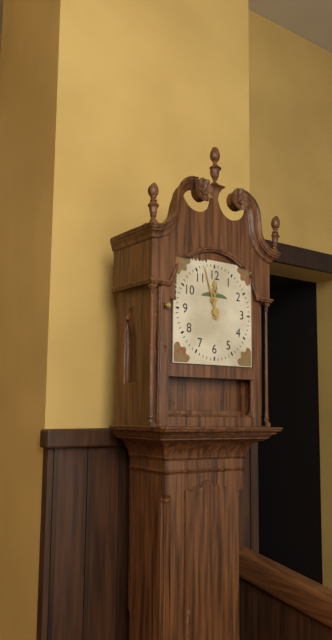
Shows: h=11 m=57
